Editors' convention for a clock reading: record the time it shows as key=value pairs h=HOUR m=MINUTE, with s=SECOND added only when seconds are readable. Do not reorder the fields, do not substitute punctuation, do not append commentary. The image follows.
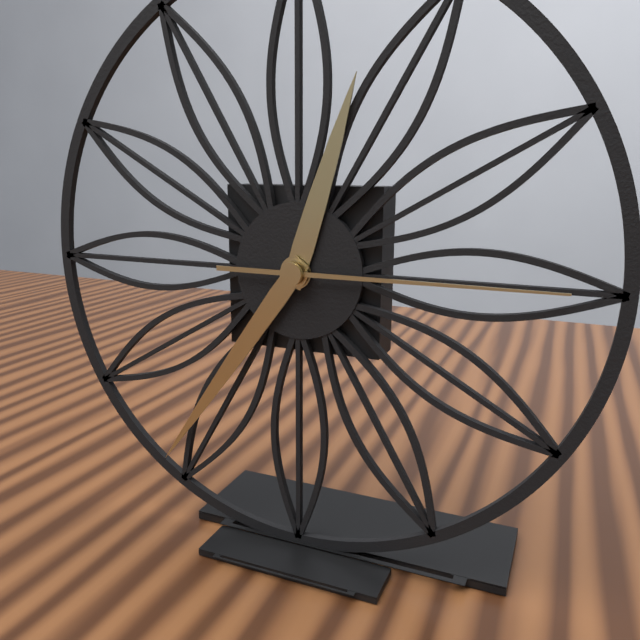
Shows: h=12 m=36 s=15
